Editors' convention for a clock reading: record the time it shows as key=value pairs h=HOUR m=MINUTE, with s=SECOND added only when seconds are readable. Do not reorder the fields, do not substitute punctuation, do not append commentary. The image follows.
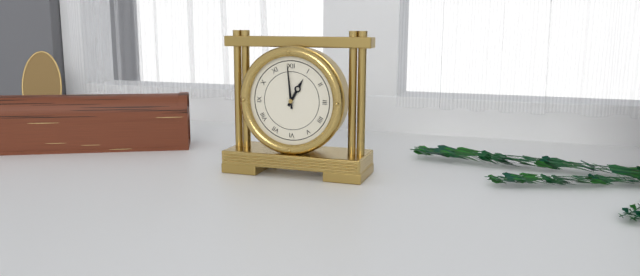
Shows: h=12 m=59
